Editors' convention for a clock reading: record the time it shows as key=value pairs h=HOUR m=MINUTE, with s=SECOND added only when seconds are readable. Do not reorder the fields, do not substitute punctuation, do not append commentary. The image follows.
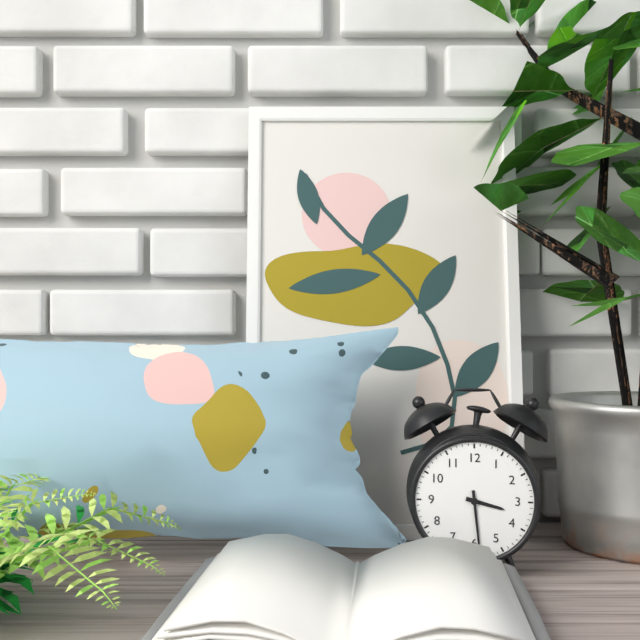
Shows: h=3 m=29
